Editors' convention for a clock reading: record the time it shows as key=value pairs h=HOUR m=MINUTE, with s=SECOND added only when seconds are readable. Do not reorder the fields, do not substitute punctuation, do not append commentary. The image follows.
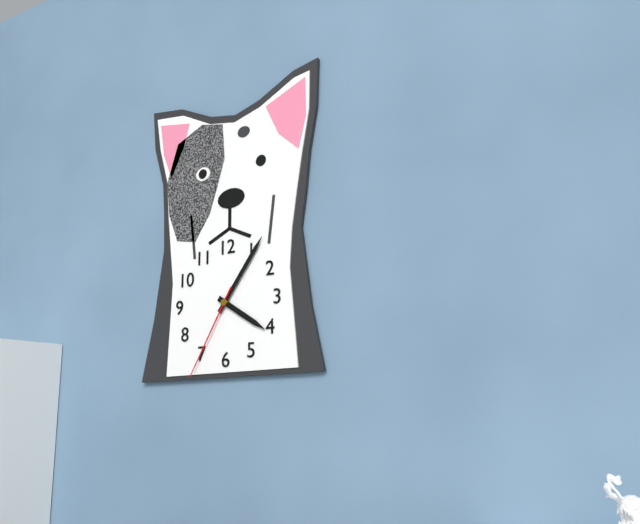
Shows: h=4 m=6 s=35
